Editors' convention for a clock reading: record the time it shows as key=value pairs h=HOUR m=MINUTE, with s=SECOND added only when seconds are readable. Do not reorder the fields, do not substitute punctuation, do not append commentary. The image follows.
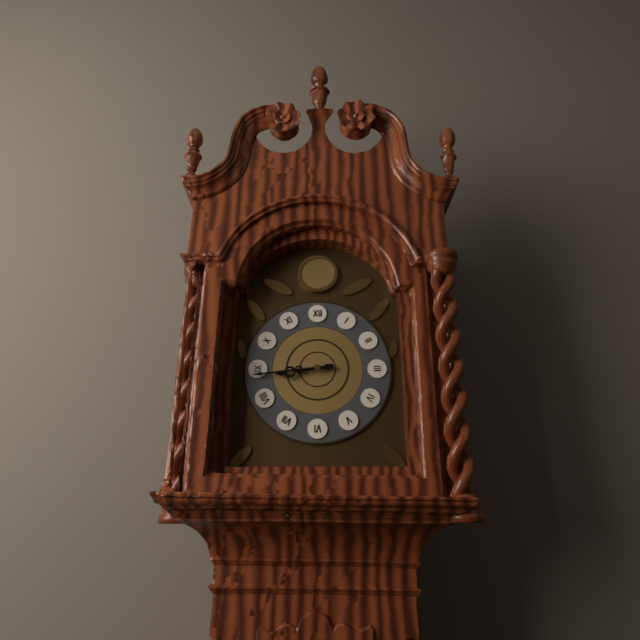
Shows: h=8 m=44
